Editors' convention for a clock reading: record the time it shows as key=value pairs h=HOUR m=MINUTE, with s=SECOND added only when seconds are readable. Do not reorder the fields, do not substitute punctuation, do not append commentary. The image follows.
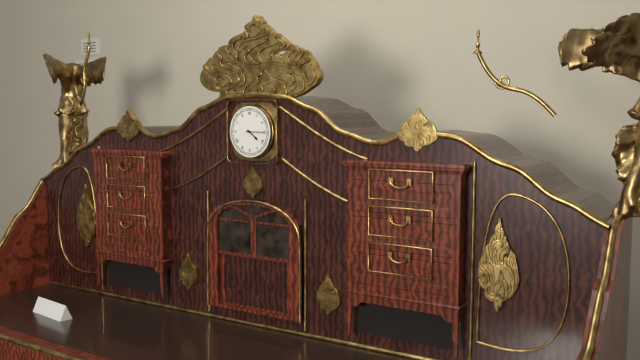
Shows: h=4 m=15
